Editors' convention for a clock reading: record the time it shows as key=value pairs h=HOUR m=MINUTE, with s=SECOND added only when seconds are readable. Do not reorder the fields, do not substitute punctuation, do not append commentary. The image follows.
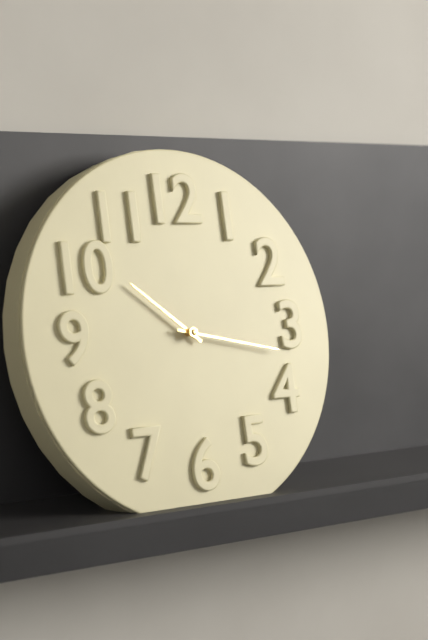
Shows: h=10 m=17
